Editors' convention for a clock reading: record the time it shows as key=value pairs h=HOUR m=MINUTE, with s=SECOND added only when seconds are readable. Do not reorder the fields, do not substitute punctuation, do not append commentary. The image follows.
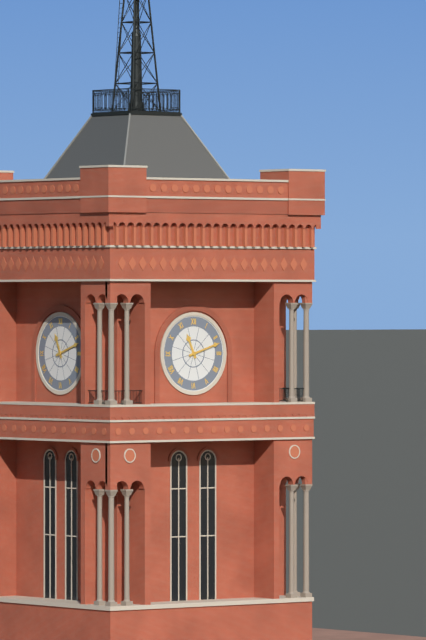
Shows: h=11 m=12
